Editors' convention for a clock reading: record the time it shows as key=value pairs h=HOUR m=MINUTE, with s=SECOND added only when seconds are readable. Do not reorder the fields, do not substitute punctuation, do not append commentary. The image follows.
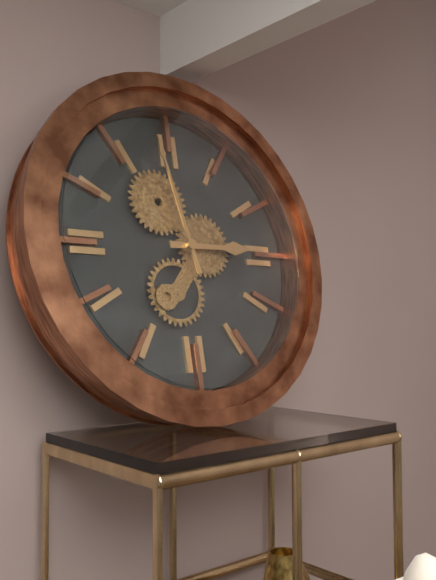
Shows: h=2 m=58
